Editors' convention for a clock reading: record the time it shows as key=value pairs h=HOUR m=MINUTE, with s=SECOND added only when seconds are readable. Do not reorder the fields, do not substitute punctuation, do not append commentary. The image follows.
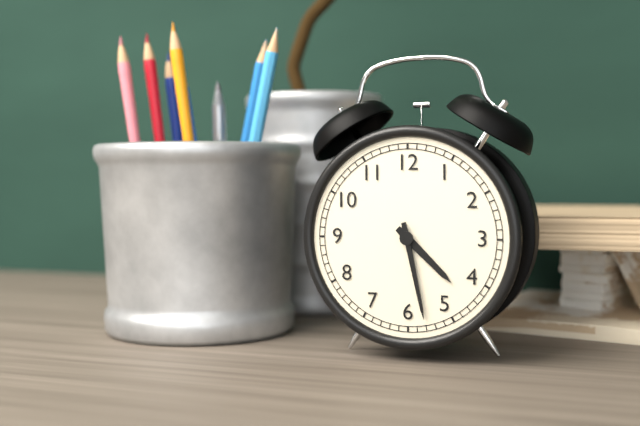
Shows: h=4 m=28
